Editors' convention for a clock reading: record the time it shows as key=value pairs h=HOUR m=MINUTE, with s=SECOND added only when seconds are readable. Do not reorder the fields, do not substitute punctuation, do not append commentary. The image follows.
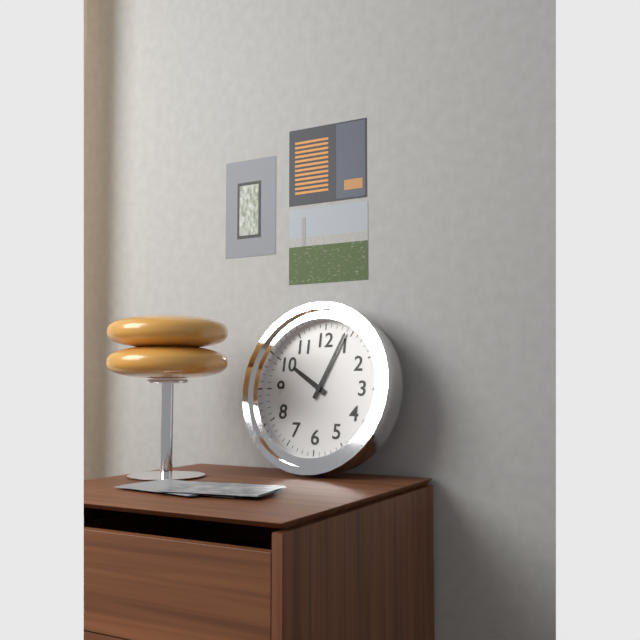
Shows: h=10 m=4
